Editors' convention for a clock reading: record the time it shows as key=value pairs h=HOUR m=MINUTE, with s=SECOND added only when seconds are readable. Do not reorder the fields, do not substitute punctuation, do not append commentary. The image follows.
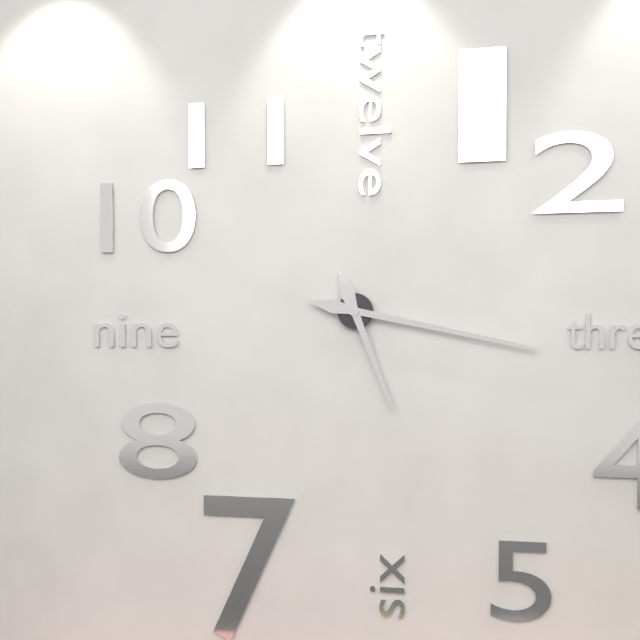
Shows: h=5 m=17
